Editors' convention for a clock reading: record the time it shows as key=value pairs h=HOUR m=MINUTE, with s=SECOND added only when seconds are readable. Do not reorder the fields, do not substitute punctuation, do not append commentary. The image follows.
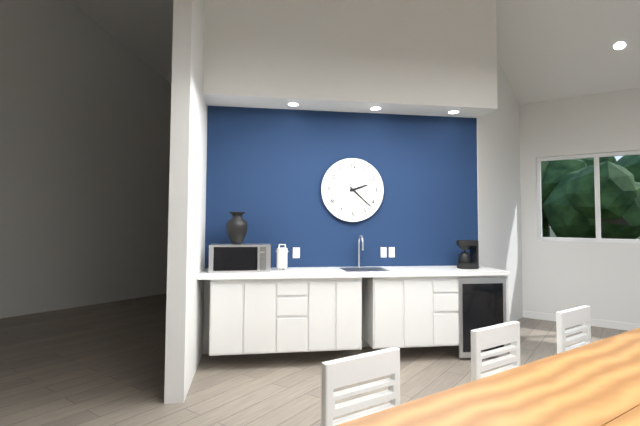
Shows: h=2 m=22
